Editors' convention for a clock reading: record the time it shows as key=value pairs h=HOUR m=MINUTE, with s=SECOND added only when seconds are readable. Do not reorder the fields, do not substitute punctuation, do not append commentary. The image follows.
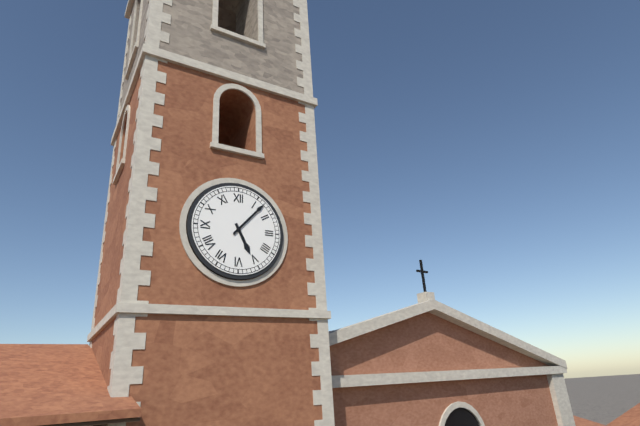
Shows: h=5 m=7
